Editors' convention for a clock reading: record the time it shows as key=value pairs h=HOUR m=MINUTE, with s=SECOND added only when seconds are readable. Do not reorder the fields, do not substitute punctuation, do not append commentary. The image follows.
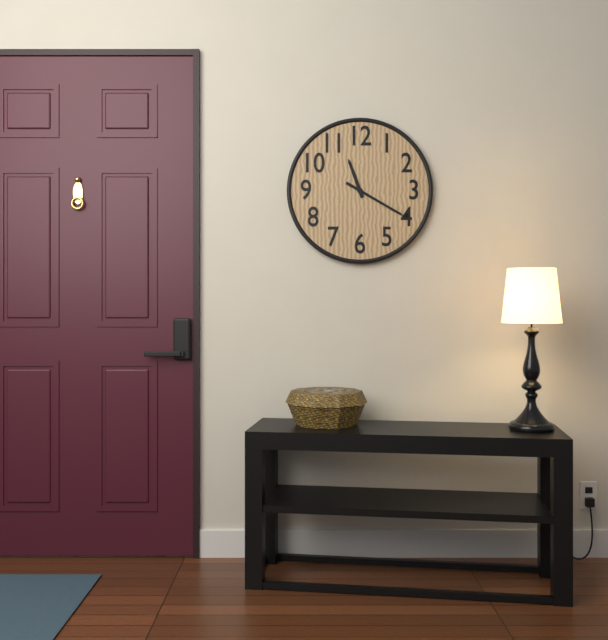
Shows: h=11 m=20
